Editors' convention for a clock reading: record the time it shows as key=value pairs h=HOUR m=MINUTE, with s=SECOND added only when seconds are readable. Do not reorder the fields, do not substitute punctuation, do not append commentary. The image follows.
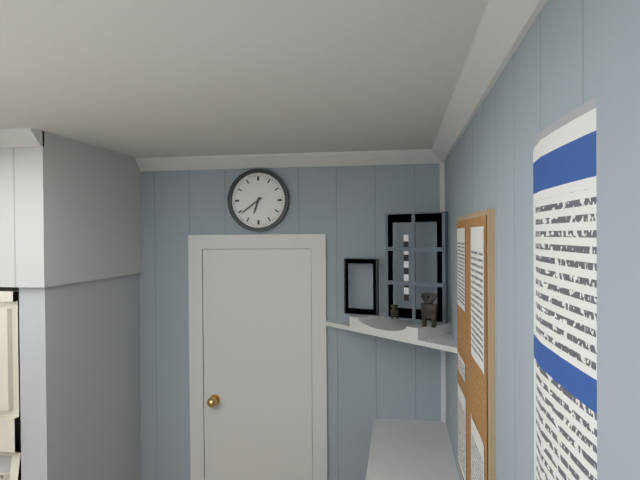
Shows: h=6 m=39
